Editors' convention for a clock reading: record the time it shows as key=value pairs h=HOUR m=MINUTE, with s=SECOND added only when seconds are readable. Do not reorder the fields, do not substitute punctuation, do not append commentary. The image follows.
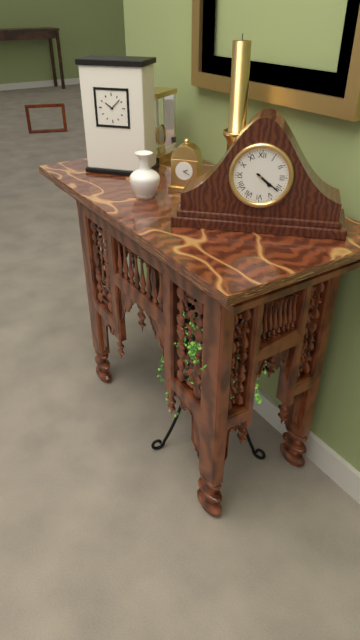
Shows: h=4 m=21
